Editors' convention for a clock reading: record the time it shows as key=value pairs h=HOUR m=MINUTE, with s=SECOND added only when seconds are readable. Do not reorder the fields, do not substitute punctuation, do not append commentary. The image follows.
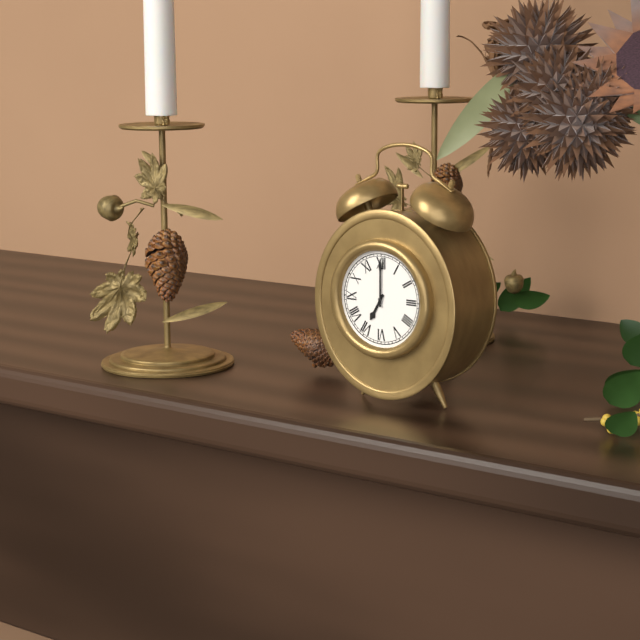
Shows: h=7 m=0
